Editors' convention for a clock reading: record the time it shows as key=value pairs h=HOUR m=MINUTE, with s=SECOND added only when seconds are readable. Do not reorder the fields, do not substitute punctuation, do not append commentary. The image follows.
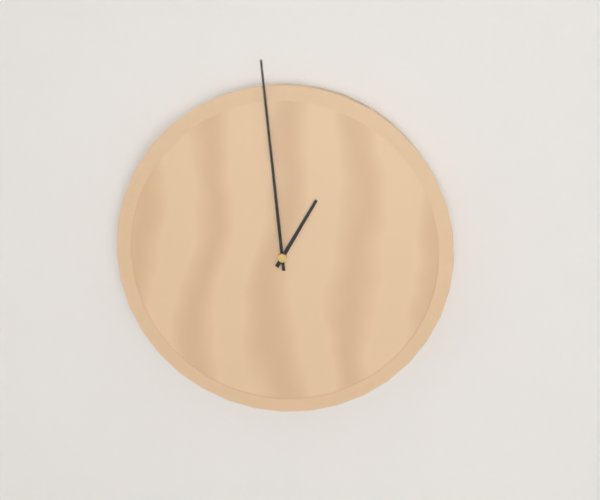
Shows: h=12 m=59
